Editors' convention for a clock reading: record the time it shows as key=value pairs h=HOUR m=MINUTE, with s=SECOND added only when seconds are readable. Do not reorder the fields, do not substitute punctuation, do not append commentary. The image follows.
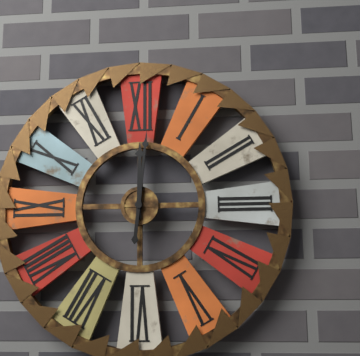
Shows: h=12 m=1
